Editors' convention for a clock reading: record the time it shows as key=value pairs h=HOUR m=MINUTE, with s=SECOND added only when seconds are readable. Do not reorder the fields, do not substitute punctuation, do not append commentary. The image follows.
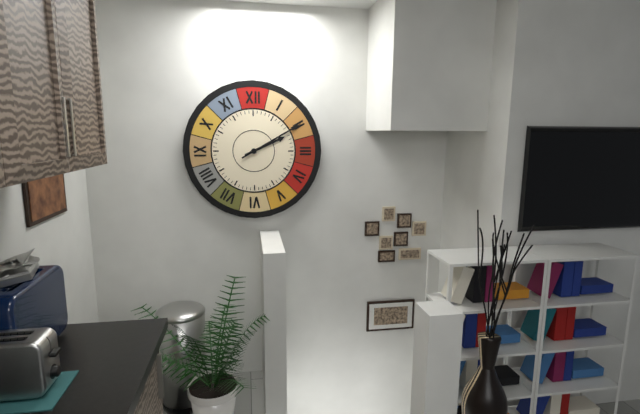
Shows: h=2 m=10
